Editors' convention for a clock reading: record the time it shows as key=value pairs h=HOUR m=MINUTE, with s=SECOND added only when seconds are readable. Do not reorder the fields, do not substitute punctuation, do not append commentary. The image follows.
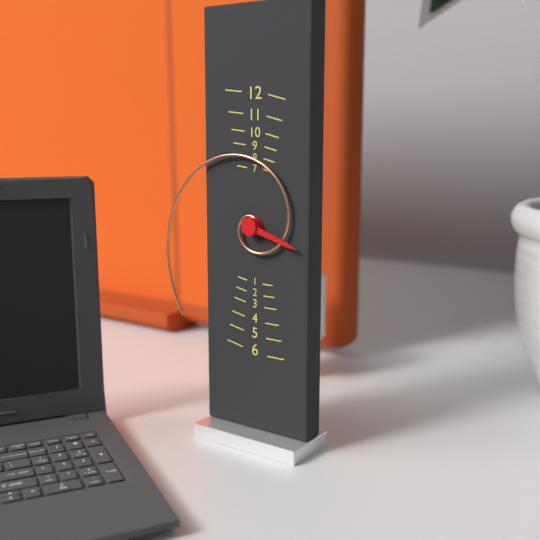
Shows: h=3 m=37
